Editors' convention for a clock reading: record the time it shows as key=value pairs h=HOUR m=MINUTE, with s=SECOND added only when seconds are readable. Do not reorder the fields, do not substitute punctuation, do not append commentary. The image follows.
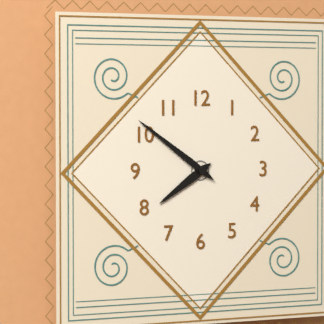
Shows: h=7 m=51
